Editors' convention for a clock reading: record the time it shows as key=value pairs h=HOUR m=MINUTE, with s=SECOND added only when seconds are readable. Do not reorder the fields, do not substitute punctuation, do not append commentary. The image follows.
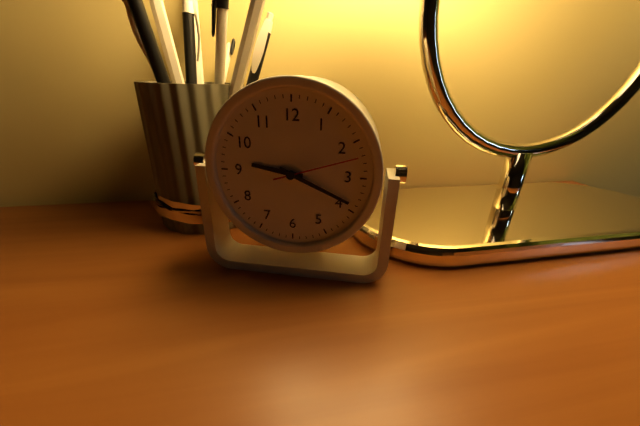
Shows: h=9 m=19 s=12
